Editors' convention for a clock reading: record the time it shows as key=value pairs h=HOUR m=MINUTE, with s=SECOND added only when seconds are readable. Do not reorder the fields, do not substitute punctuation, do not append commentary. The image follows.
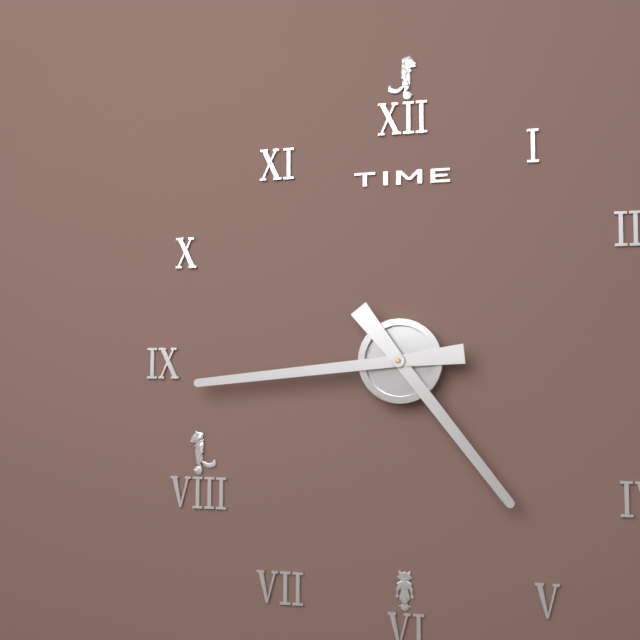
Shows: h=4 m=44
